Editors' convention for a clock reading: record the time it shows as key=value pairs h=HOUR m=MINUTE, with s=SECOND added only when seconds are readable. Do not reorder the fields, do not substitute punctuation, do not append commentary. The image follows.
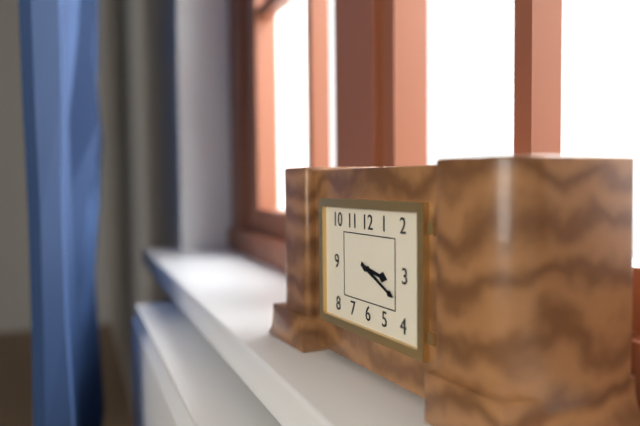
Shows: h=3 m=19
